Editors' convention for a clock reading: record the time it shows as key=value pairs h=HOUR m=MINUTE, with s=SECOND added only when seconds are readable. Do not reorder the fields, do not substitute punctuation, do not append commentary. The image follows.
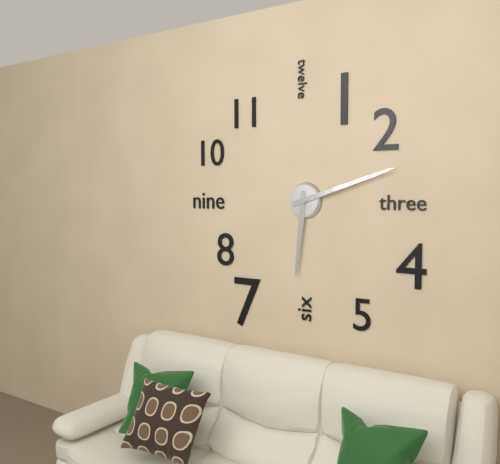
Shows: h=6 m=12
